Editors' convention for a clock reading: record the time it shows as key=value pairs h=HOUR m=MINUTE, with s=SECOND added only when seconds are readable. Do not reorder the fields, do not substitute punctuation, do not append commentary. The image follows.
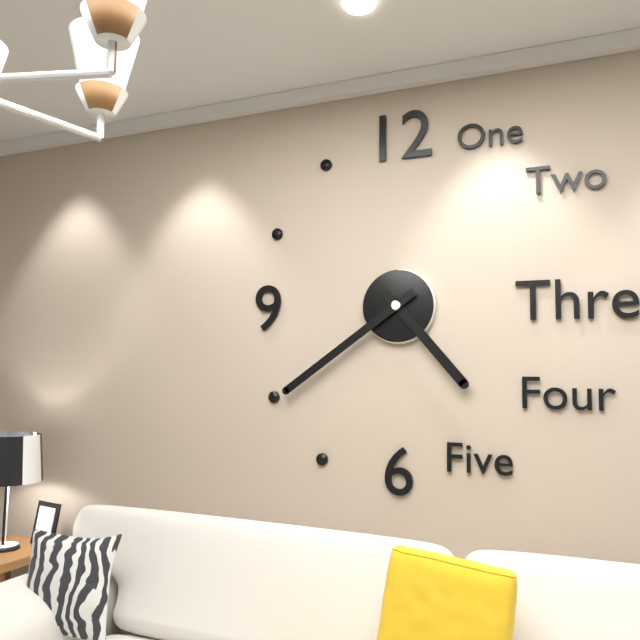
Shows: h=4 m=39
